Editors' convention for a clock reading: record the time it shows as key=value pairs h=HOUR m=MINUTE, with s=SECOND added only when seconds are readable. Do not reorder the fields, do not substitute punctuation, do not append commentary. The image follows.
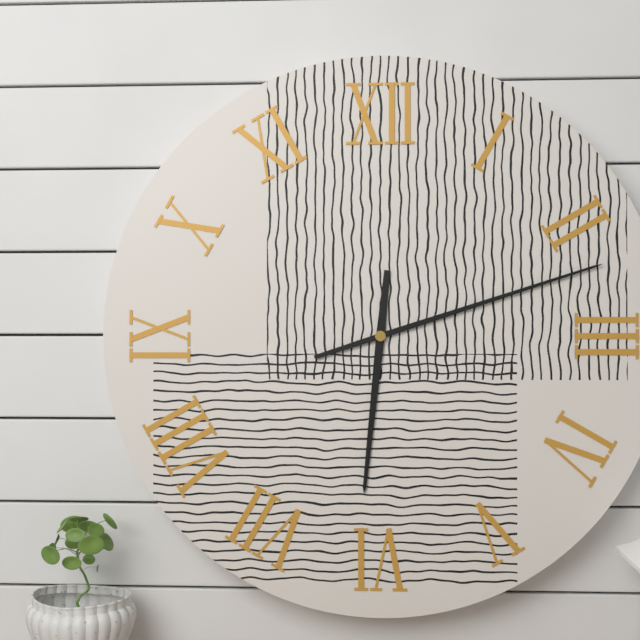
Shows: h=6 m=12
